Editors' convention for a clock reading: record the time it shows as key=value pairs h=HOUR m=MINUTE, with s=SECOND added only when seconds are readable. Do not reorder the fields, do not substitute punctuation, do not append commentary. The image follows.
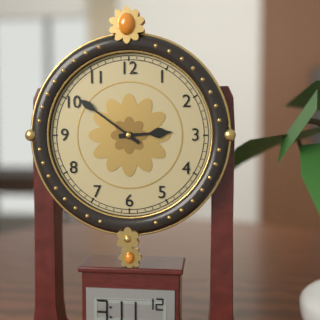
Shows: h=2 m=51
